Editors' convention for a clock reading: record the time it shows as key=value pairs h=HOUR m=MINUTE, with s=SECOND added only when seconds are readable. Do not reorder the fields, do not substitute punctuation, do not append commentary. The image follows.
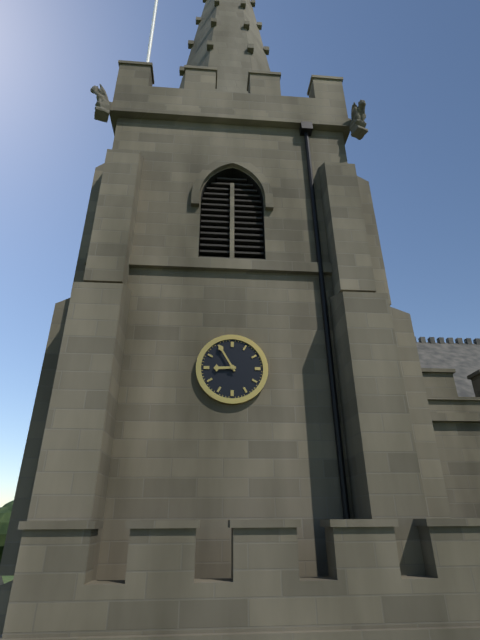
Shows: h=8 m=55
